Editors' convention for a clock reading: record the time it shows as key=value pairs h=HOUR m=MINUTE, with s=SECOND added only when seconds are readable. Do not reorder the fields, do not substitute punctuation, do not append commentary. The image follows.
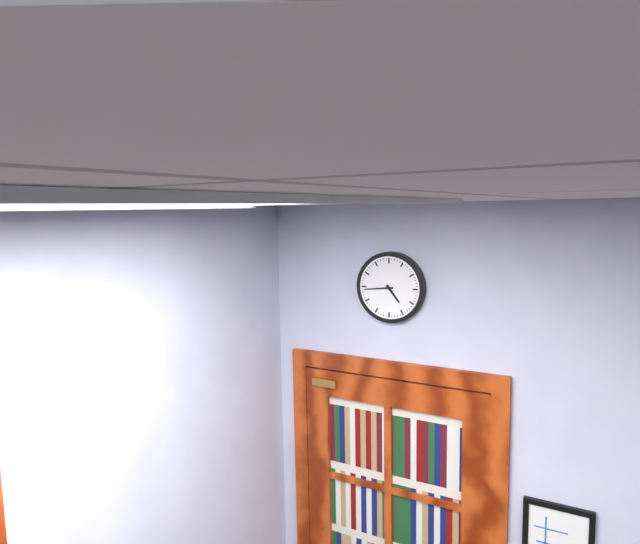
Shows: h=4 m=44
